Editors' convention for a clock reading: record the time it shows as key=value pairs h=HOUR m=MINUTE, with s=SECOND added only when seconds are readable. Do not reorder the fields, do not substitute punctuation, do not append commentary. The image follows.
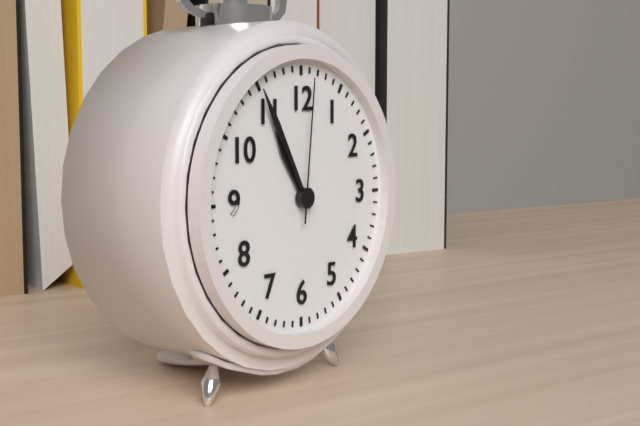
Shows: h=10 m=55 s=1
